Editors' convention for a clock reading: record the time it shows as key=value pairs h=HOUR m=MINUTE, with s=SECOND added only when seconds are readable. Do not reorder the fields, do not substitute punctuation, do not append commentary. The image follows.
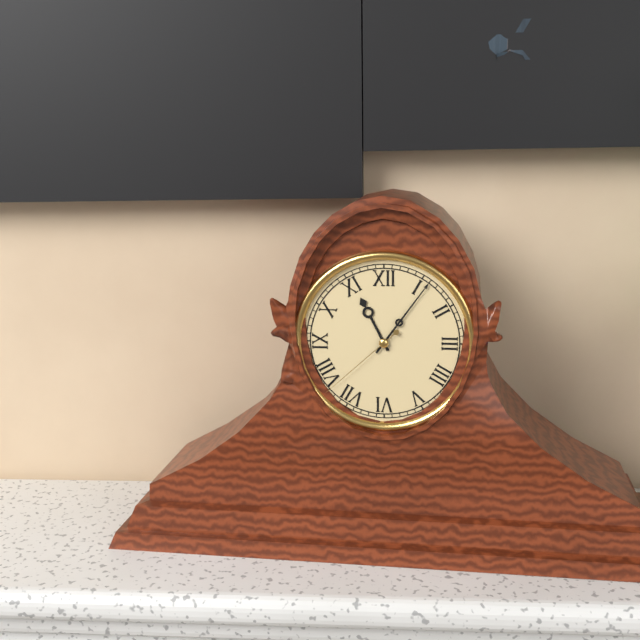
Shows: h=11 m=6 s=38
